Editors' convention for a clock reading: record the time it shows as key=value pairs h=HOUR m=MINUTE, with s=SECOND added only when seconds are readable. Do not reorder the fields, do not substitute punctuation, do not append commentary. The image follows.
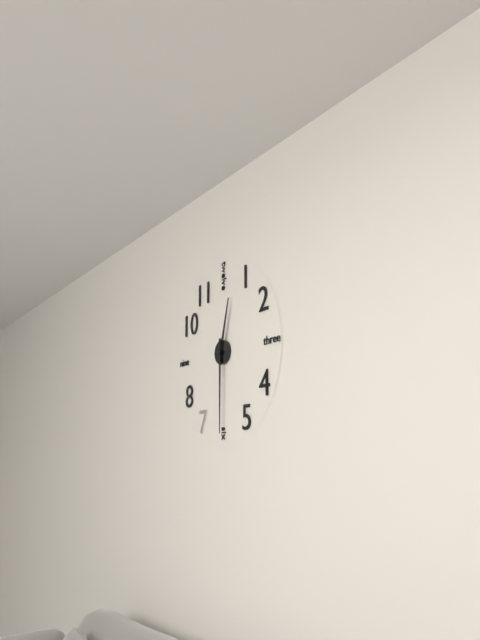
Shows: h=12 m=30
